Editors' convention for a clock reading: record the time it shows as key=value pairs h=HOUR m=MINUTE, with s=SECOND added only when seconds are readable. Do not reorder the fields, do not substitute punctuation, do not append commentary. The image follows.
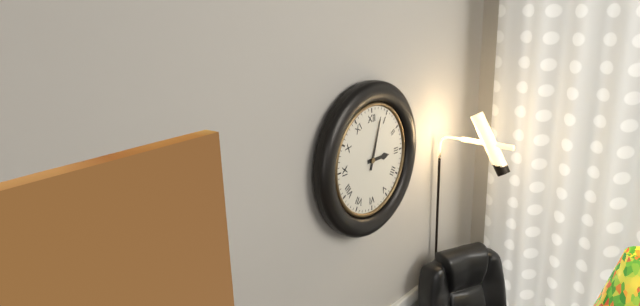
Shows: h=3 m=3
